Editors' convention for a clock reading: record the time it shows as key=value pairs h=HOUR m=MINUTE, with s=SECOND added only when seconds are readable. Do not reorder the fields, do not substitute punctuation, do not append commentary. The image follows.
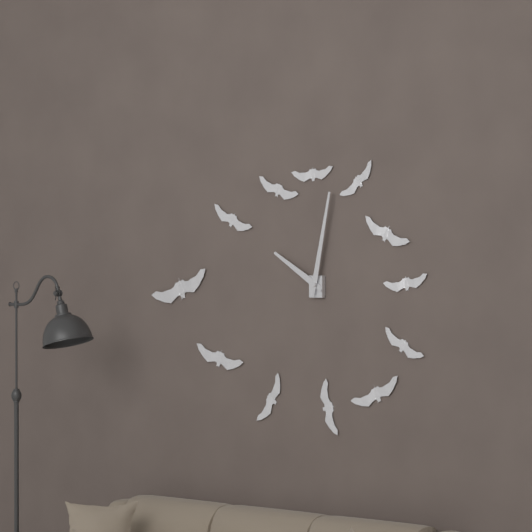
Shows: h=10 m=2
